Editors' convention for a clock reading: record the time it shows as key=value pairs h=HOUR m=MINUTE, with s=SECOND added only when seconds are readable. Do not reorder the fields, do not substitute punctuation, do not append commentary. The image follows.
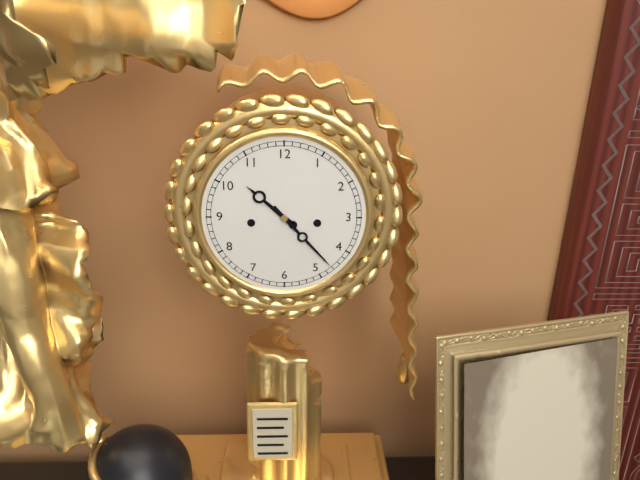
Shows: h=10 m=23
